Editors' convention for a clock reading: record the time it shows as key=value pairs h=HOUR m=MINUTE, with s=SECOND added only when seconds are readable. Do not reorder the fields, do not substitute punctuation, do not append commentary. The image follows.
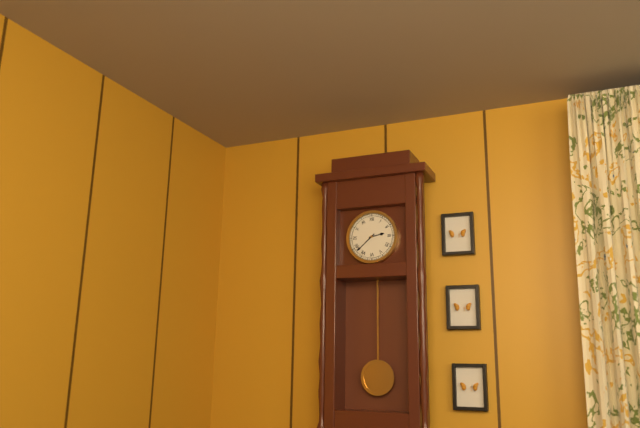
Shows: h=2 m=38
